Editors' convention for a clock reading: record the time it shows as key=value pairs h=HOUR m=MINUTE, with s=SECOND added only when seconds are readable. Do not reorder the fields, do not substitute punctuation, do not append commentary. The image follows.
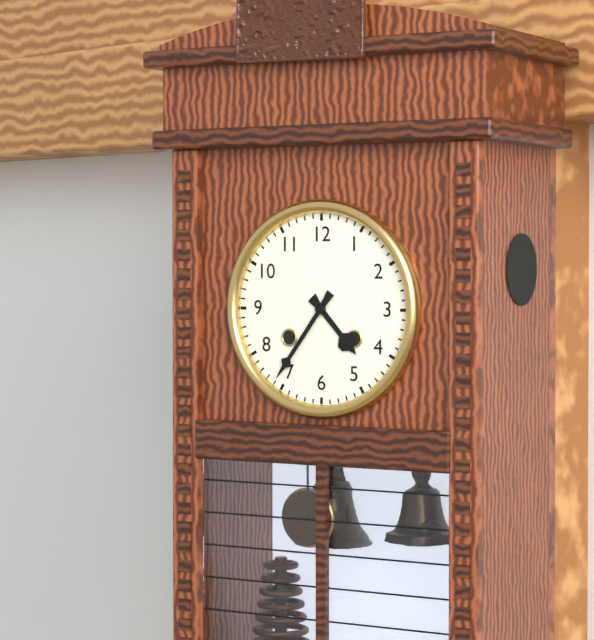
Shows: h=4 m=36
